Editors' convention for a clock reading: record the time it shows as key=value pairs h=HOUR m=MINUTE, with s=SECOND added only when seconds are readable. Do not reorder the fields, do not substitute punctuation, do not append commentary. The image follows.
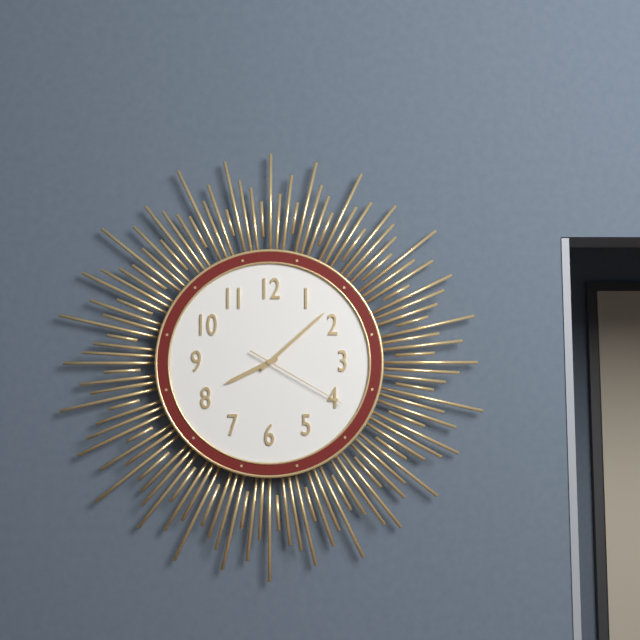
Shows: h=8 m=8 s=20
